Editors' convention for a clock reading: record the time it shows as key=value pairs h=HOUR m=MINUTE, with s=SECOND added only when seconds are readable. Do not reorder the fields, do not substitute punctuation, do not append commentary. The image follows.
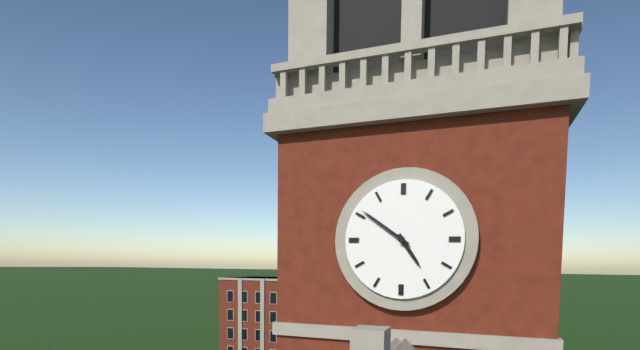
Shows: h=4 m=51
